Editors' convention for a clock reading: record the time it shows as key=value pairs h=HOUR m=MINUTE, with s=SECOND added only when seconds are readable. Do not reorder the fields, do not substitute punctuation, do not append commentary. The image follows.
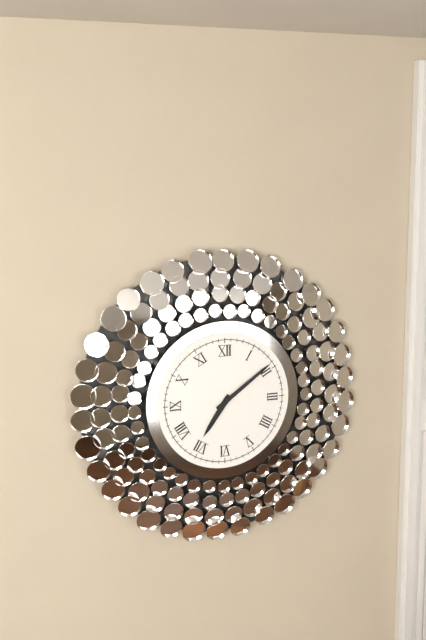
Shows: h=7 m=9
